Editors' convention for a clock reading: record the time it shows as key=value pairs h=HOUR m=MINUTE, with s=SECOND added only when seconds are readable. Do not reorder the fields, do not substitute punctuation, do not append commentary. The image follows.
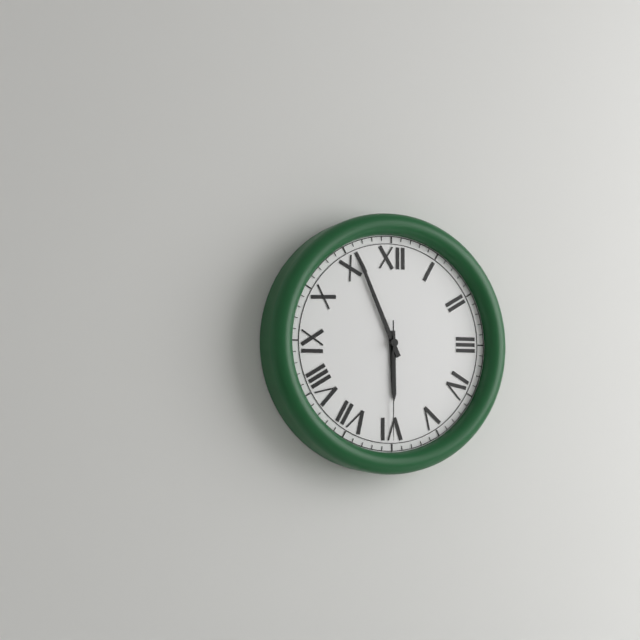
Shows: h=5 m=56 s=30
